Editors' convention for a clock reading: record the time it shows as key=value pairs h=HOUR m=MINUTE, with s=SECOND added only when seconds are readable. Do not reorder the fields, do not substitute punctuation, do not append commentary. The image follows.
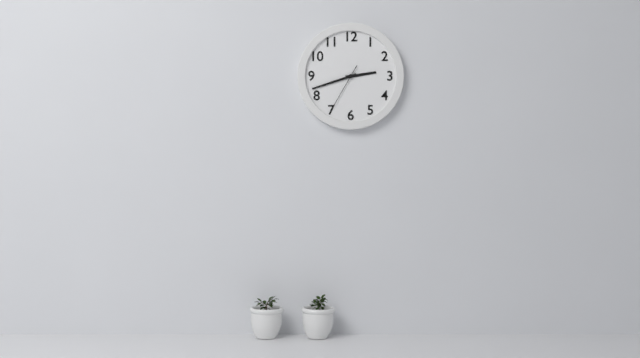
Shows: h=2 m=42
